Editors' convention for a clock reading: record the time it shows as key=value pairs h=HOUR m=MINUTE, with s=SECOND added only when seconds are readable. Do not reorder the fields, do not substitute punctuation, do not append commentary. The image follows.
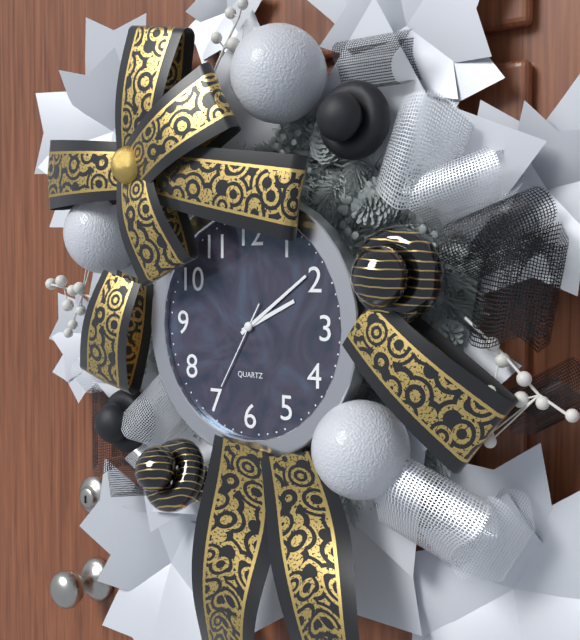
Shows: h=2 m=9 s=35
